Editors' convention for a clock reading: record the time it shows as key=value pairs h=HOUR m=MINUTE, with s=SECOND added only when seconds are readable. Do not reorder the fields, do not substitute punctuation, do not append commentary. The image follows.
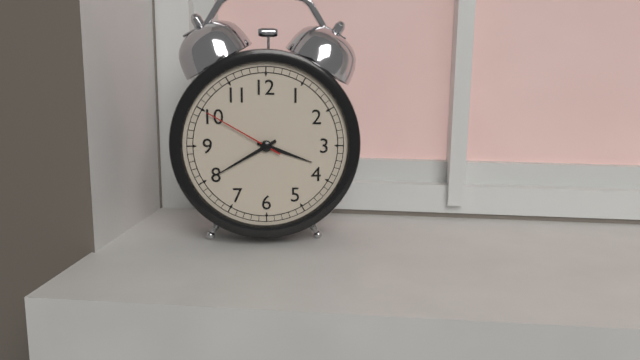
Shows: h=3 m=40 s=50
